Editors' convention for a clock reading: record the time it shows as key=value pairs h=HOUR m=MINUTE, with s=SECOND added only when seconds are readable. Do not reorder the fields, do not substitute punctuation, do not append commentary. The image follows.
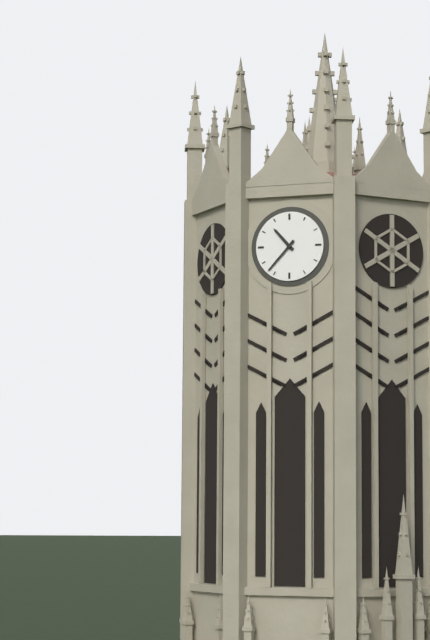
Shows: h=10 m=37
